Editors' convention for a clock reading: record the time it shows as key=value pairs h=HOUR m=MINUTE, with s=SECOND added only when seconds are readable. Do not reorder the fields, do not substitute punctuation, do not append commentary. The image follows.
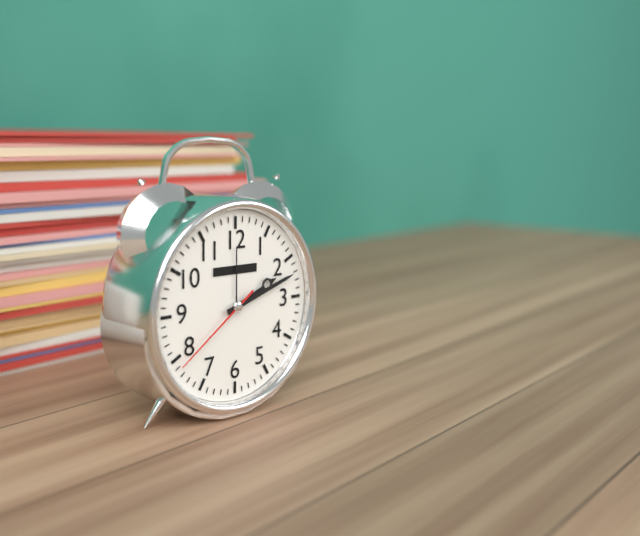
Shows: h=2 m=12 s=39
